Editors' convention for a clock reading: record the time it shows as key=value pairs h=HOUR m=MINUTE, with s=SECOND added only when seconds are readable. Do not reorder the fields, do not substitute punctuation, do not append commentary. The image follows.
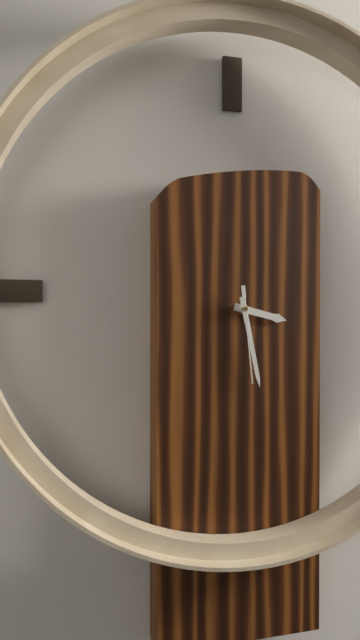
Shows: h=3 m=28 s=29
